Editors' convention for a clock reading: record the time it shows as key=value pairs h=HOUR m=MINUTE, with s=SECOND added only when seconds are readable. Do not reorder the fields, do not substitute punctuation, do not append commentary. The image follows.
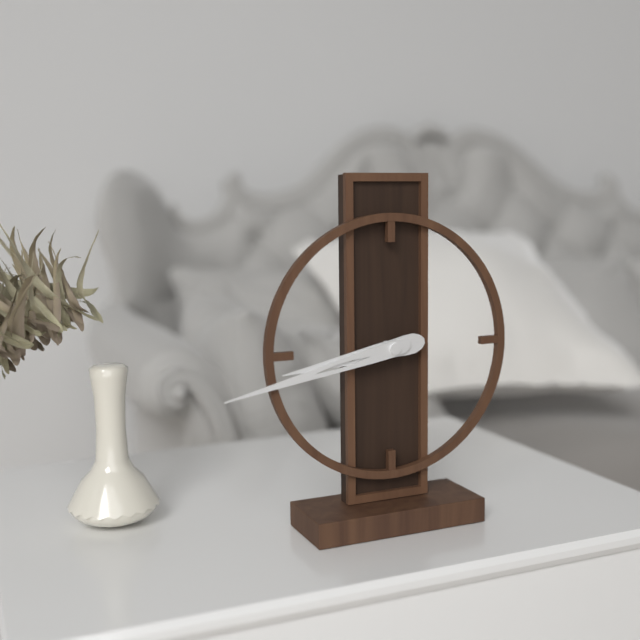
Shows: h=8 m=43
